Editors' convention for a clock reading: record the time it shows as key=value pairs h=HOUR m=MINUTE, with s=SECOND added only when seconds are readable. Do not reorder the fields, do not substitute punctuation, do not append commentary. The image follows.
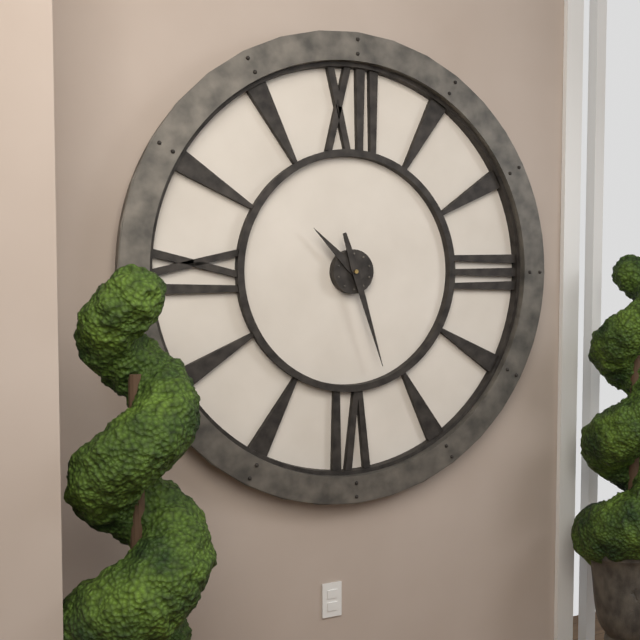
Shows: h=10 m=27
